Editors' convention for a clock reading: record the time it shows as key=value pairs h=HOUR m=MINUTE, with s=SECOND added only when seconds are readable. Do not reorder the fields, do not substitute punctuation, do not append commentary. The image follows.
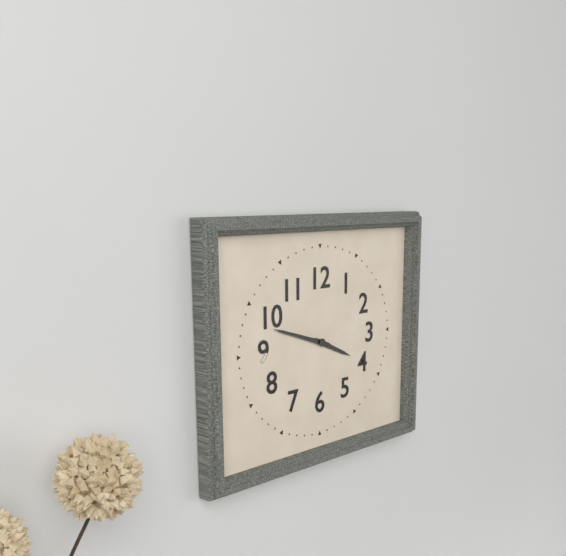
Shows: h=3 m=48
